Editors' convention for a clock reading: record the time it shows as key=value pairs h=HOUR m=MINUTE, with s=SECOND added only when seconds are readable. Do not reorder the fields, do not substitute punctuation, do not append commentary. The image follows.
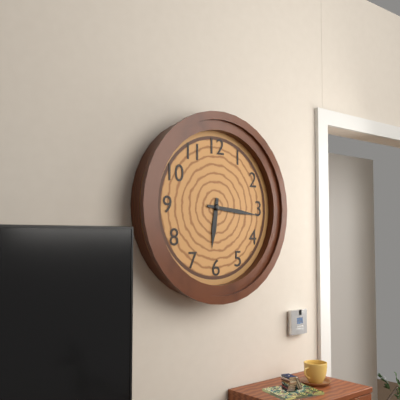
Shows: h=6 m=16
